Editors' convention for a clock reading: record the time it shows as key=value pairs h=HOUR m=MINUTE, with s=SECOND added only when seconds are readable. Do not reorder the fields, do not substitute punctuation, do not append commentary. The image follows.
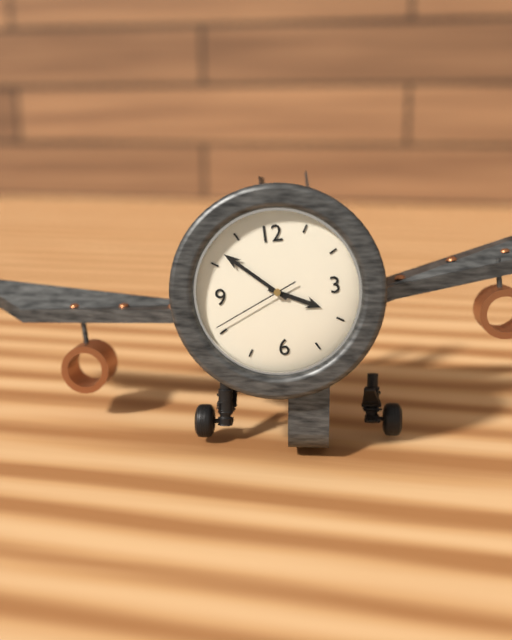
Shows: h=3 m=52 s=41
